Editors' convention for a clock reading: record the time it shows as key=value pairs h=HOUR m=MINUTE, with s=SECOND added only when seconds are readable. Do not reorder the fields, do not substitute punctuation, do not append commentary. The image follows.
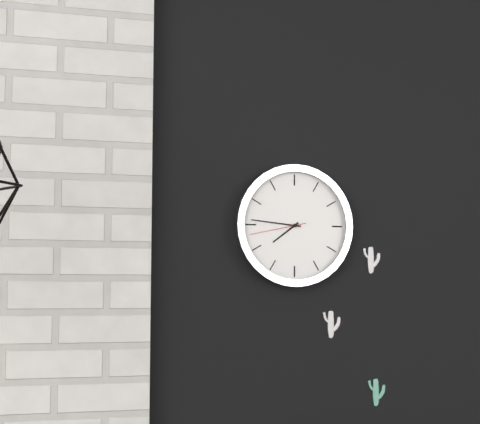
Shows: h=7 m=46 s=43
